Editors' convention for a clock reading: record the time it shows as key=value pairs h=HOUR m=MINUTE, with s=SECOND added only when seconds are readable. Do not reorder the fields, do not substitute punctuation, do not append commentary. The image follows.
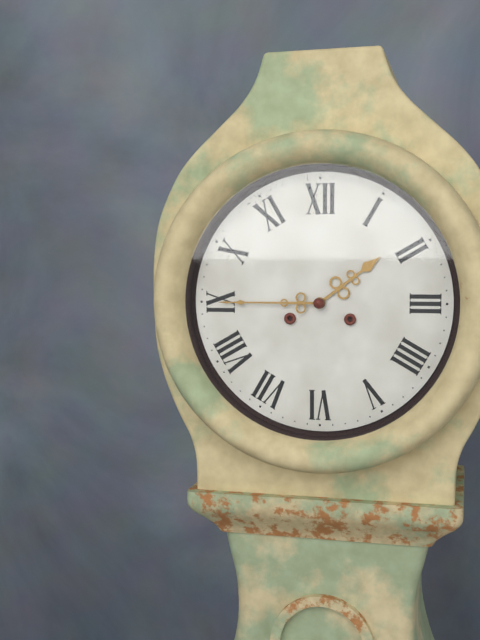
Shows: h=1 m=45
